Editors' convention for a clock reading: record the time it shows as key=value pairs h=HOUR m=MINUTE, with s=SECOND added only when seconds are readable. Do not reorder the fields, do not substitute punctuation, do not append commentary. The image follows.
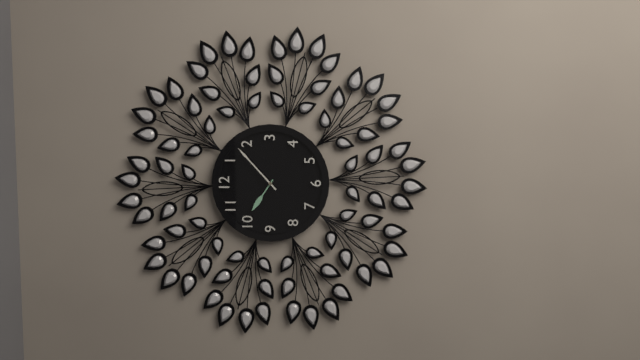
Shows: h=10 m=8
